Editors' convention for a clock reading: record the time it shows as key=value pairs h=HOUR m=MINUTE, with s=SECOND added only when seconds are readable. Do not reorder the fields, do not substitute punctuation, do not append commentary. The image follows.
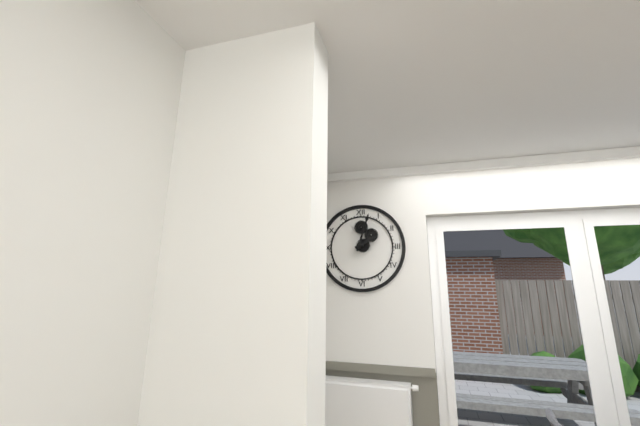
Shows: h=2 m=3
